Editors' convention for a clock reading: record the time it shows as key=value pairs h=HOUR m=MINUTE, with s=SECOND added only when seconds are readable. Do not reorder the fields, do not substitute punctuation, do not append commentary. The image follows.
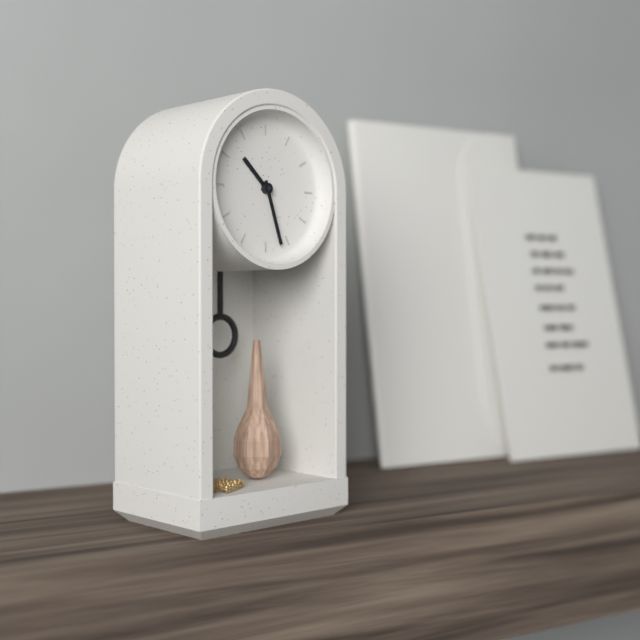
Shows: h=10 m=27
